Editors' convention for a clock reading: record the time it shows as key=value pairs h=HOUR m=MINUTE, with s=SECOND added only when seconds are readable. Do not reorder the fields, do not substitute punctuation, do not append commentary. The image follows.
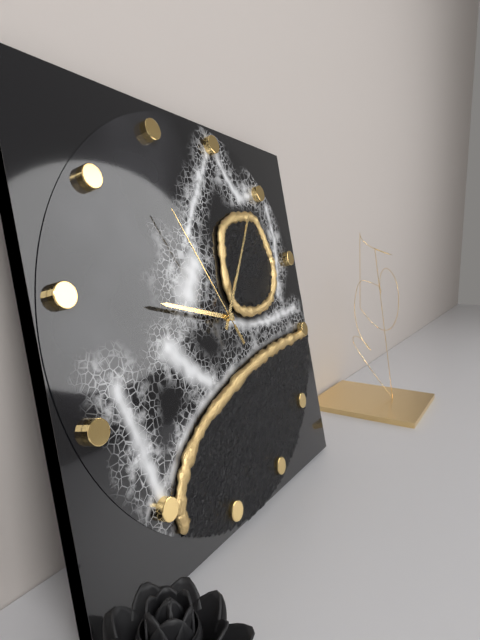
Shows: h=9 m=4 s=53
